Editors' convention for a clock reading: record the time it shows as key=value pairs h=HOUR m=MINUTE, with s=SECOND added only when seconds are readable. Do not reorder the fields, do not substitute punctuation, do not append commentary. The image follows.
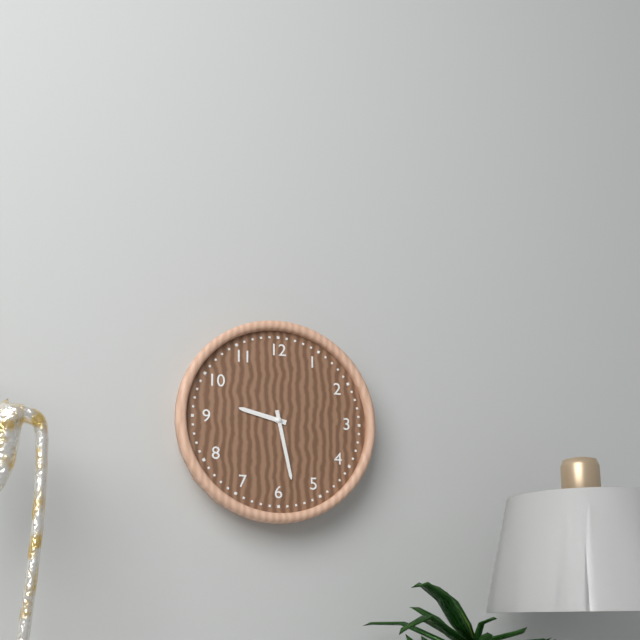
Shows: h=9 m=28
